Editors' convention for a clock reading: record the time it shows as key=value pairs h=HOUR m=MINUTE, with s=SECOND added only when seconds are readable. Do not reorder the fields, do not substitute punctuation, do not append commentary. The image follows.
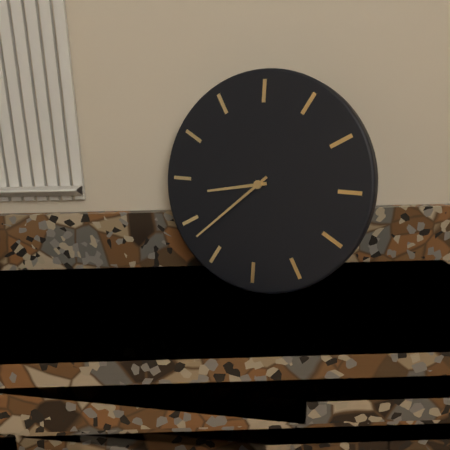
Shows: h=8 m=38
